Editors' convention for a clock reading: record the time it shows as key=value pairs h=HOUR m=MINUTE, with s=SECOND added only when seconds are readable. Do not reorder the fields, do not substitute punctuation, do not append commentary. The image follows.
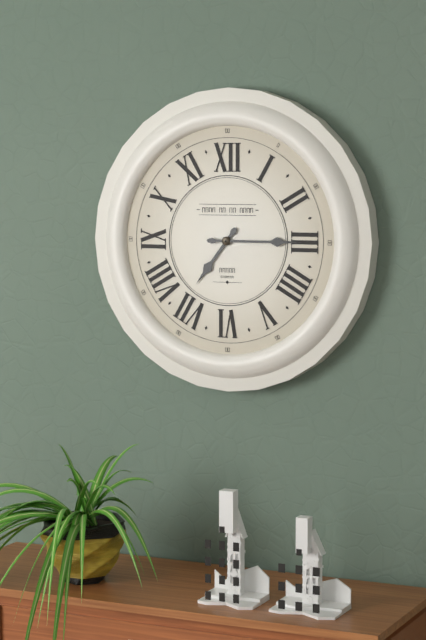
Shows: h=7 m=15
